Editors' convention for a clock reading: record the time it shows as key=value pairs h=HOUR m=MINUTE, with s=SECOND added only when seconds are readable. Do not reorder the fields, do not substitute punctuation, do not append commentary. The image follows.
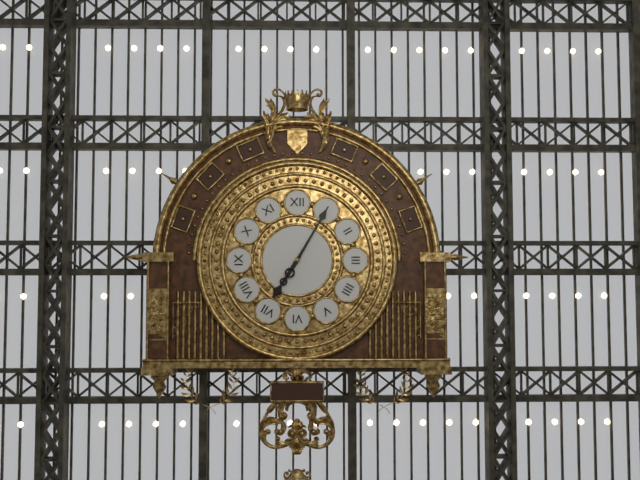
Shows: h=7 m=5
